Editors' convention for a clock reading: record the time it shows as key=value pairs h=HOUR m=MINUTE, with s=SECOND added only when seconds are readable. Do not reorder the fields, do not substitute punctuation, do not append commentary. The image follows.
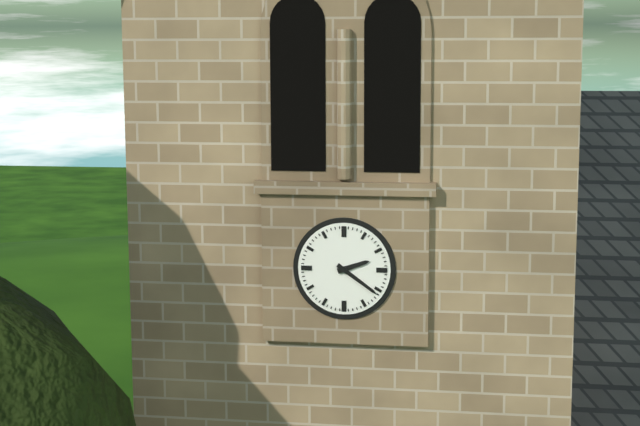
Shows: h=2 m=21
